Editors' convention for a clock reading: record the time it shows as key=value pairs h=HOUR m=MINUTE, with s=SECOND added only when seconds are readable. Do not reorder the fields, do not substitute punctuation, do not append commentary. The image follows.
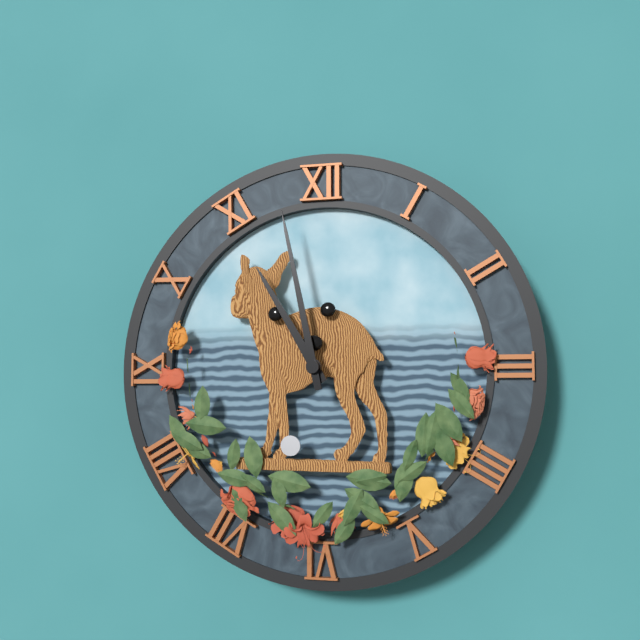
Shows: h=10 m=58
